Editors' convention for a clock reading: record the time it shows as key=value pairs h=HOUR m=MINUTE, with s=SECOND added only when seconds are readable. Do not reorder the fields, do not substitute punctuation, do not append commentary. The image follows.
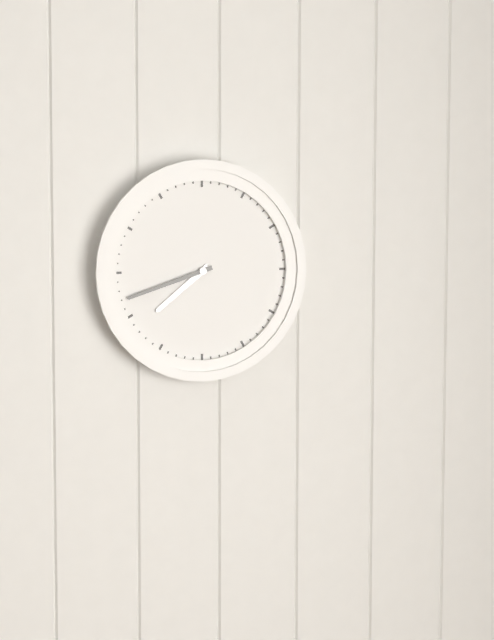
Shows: h=7 m=42
